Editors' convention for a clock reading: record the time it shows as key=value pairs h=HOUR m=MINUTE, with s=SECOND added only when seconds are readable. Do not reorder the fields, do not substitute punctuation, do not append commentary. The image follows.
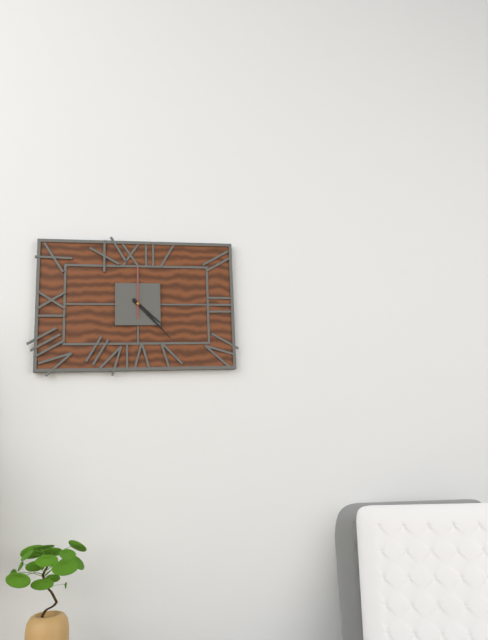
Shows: h=4 m=23
